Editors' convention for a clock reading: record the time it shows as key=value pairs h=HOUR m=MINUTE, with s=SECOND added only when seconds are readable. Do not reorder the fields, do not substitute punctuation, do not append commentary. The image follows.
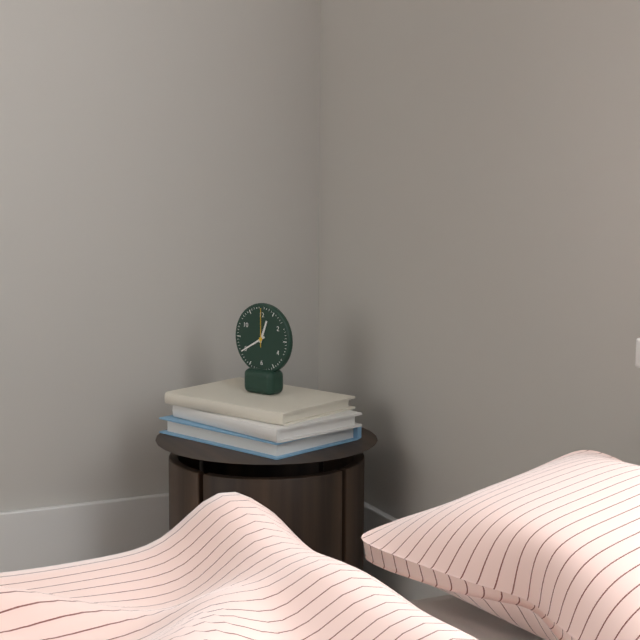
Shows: h=12 m=40
